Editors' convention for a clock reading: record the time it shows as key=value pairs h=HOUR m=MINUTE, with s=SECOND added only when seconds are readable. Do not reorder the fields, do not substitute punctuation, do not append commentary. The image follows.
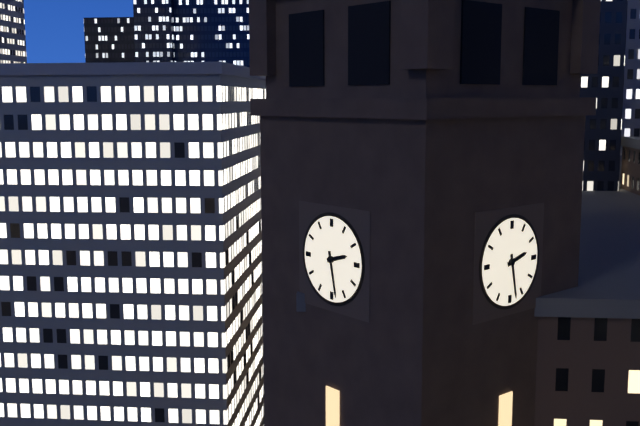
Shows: h=2 m=28
